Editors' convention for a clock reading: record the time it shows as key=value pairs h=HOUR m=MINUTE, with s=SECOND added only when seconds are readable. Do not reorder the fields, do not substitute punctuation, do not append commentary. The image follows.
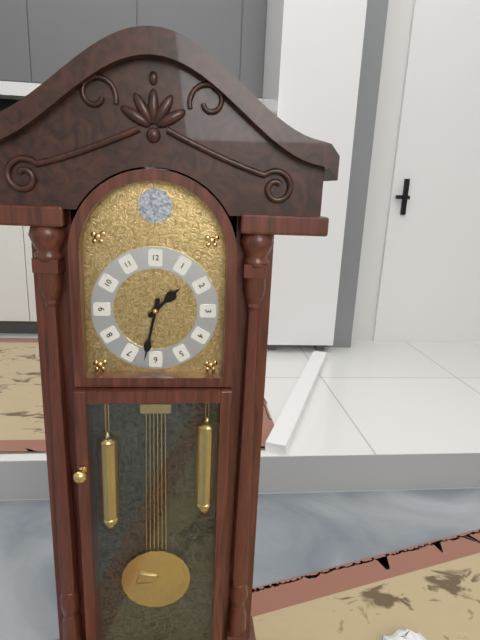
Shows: h=1 m=32
